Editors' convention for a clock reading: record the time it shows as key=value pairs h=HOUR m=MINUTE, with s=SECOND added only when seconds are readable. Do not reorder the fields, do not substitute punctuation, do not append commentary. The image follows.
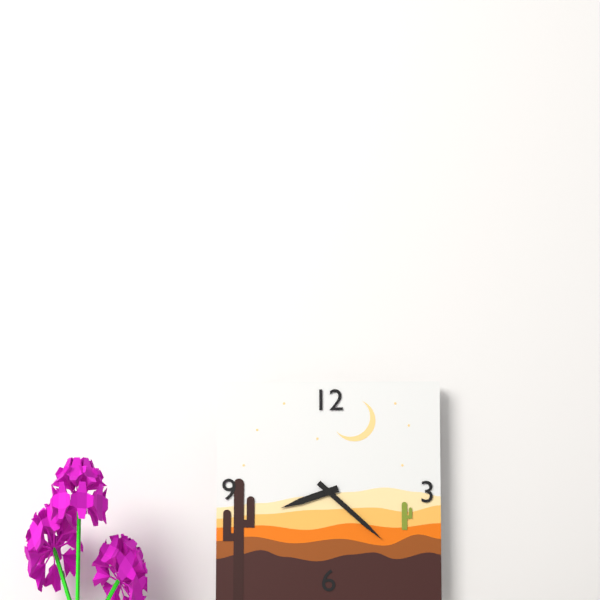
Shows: h=8 m=22
